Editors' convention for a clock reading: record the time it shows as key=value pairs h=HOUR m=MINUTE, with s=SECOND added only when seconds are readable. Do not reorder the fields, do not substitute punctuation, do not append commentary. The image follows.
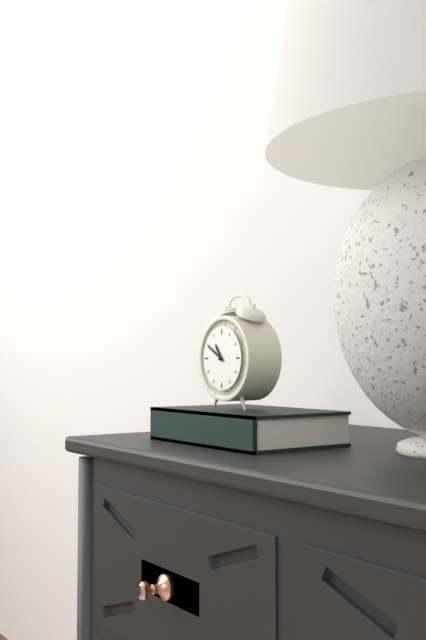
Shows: h=10 m=50
